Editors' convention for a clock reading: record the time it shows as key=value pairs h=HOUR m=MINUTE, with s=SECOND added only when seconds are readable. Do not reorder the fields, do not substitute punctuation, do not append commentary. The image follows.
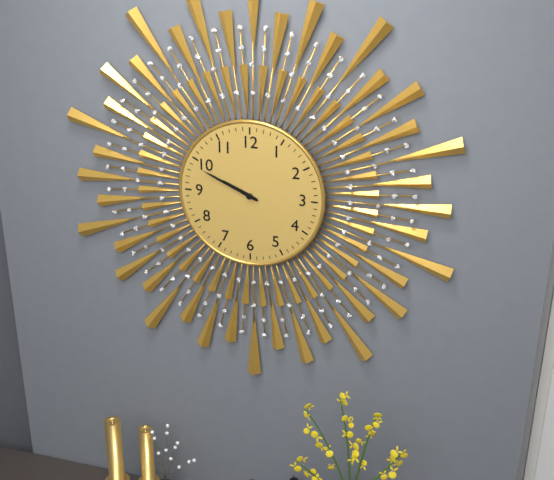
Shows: h=9 m=49
